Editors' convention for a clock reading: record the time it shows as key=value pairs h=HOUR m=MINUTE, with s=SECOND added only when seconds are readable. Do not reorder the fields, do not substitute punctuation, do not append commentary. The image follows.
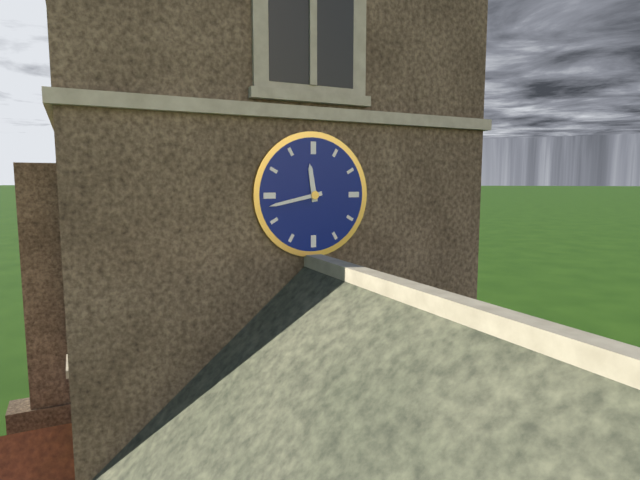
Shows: h=11 m=43
